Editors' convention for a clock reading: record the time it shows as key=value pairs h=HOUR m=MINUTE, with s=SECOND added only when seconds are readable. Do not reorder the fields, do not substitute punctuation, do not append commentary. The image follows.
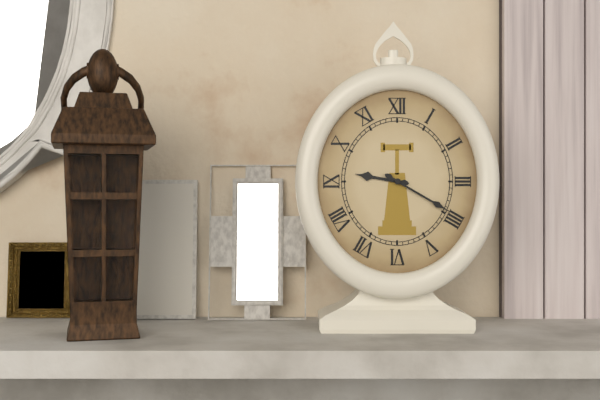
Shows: h=9 m=20
